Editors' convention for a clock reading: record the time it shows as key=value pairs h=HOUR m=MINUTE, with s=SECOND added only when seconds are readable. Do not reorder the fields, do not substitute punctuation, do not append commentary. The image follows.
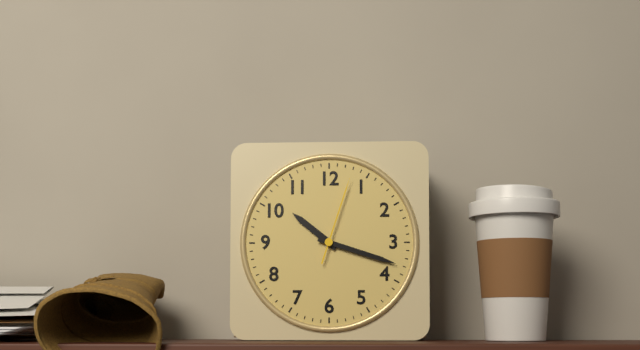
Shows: h=10 m=18 s=3
